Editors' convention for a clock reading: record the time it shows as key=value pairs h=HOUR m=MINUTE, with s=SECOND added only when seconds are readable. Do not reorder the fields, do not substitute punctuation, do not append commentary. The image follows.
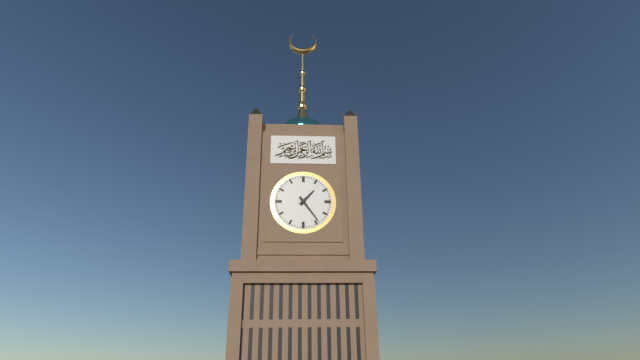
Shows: h=1 m=24
